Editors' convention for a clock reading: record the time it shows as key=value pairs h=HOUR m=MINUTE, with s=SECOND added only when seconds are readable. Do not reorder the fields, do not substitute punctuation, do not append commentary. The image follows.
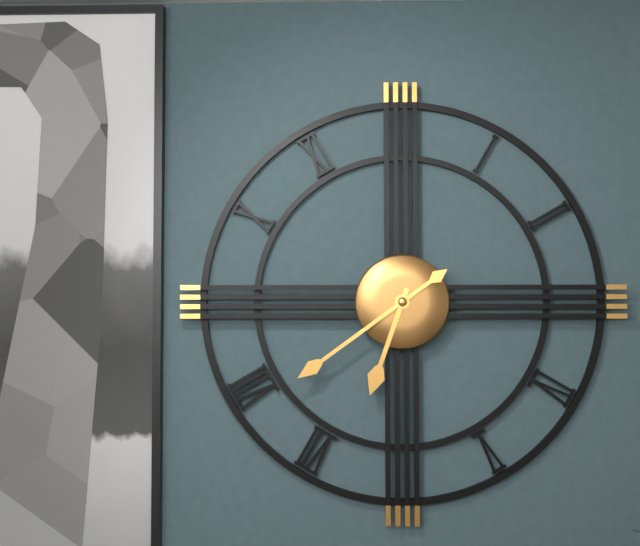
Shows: h=6 m=39
